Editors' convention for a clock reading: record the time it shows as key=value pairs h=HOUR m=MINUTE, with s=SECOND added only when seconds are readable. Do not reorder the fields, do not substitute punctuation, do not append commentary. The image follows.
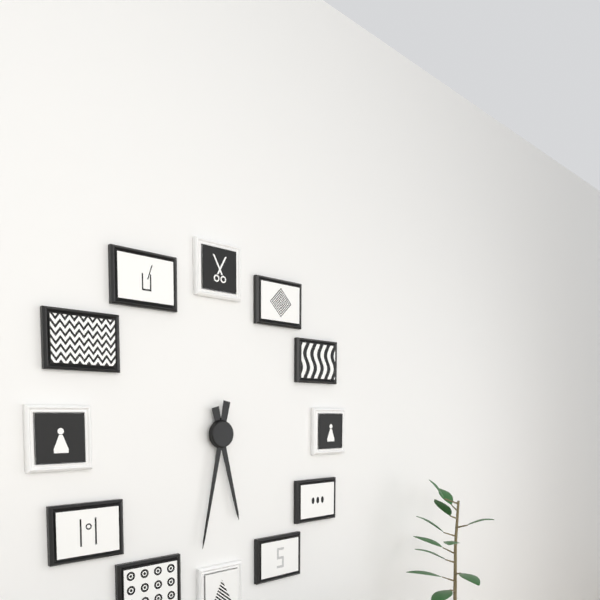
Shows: h=5 m=32
